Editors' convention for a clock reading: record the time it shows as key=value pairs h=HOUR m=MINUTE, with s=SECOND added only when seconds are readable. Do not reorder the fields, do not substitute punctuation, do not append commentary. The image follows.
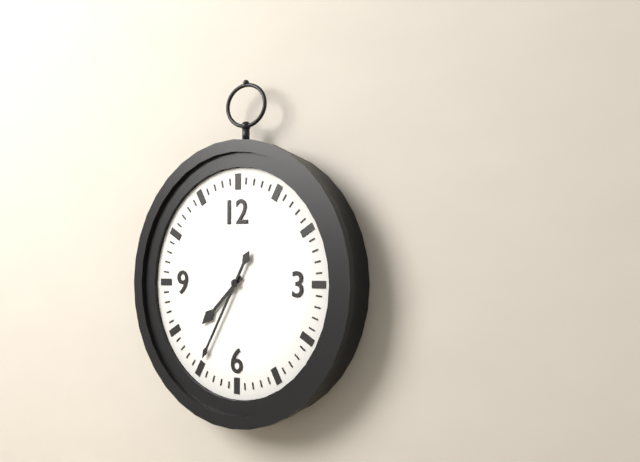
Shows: h=7 m=35
